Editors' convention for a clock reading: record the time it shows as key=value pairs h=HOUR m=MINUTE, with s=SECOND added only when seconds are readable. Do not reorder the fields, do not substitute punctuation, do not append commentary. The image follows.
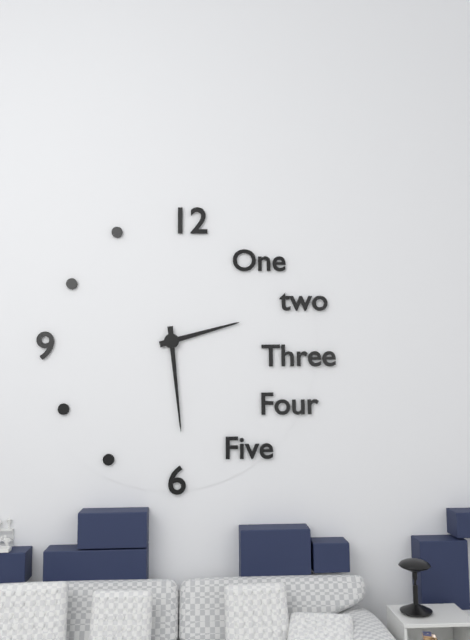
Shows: h=2 m=29
